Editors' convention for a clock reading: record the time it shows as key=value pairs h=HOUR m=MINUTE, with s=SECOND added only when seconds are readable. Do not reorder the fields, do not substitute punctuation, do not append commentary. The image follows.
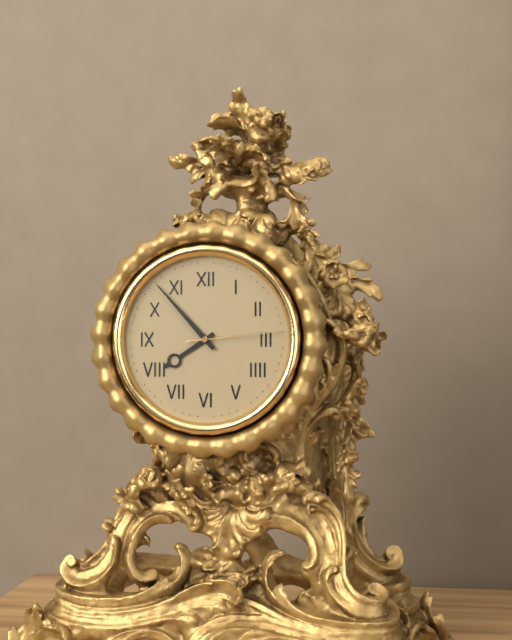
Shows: h=7 m=53 s=14
